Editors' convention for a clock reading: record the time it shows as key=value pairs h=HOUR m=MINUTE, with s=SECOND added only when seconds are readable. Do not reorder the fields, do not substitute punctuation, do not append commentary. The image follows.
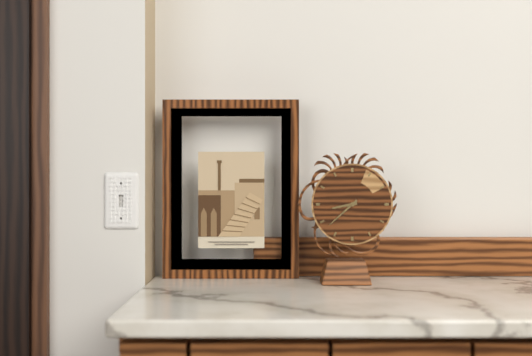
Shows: h=8 m=38
